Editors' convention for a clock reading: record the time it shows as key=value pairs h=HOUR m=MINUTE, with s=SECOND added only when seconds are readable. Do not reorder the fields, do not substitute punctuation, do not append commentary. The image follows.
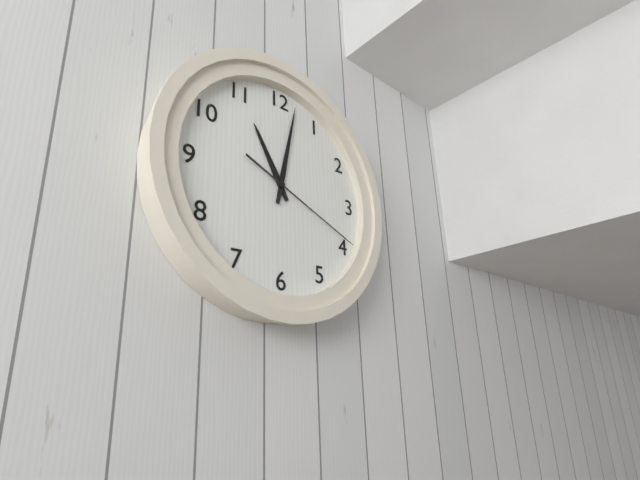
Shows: h=11 m=2 s=19
